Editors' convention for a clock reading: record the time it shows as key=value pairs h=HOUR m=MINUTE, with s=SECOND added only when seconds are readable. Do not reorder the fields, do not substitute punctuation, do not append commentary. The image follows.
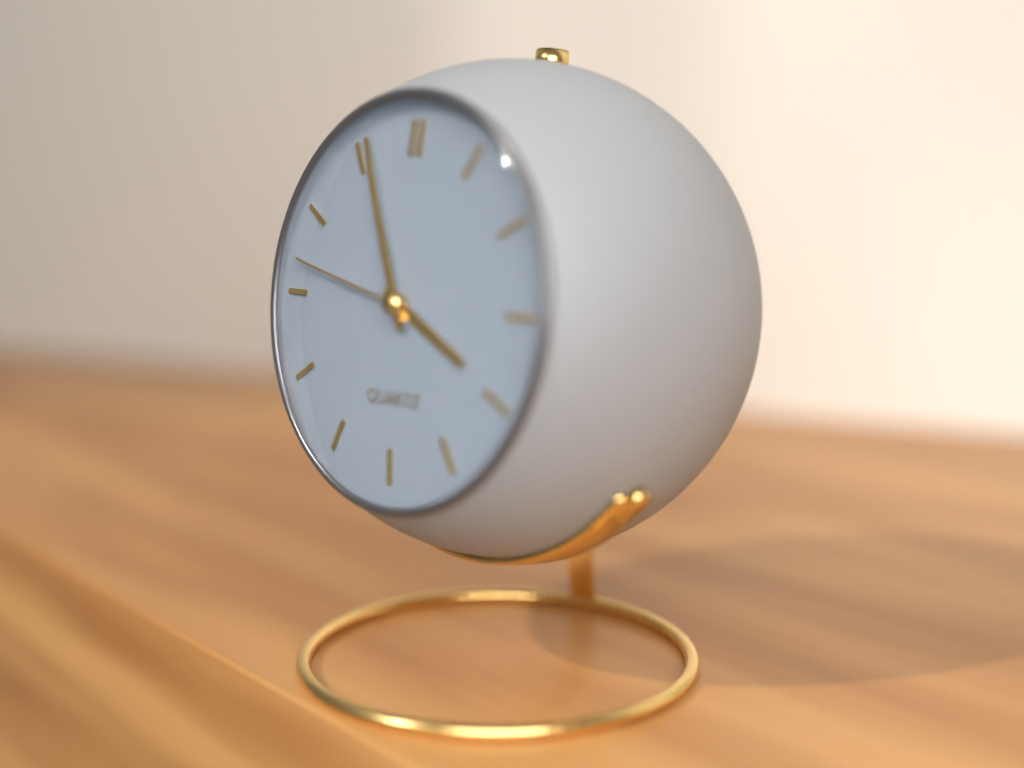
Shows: h=3 m=56 s=47
